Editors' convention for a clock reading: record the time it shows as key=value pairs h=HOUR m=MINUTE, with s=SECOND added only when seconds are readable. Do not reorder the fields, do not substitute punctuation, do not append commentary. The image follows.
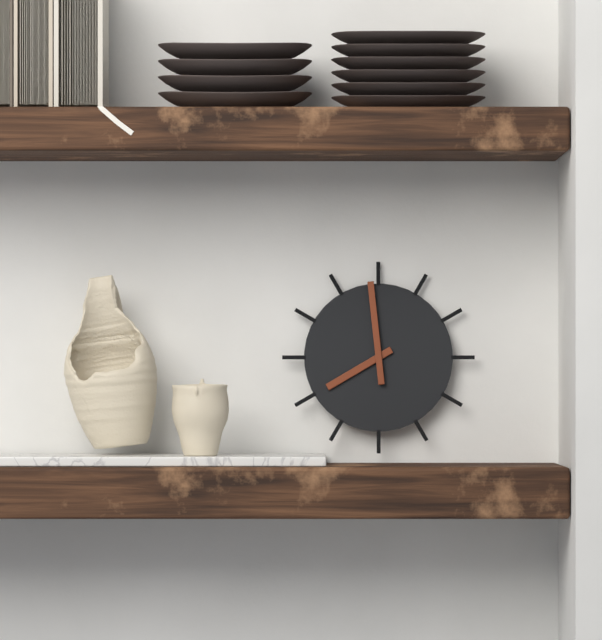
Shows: h=7 m=59
